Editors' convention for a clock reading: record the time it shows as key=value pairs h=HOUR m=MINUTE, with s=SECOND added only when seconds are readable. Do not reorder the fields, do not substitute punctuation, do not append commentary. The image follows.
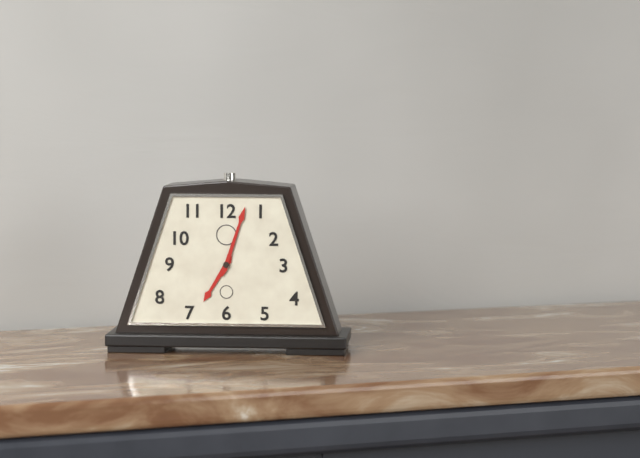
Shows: h=7 m=3
